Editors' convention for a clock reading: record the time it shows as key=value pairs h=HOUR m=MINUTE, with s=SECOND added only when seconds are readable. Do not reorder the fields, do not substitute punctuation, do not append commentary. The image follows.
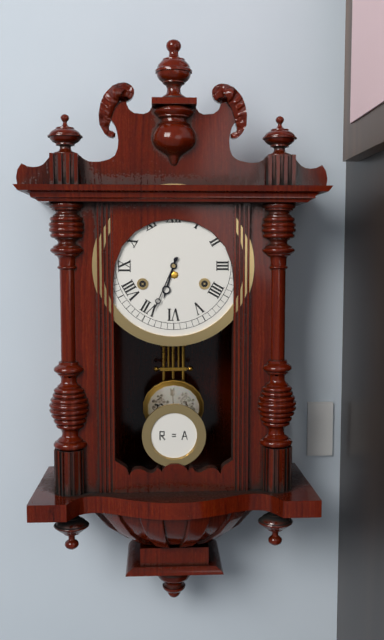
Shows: h=6 m=34
